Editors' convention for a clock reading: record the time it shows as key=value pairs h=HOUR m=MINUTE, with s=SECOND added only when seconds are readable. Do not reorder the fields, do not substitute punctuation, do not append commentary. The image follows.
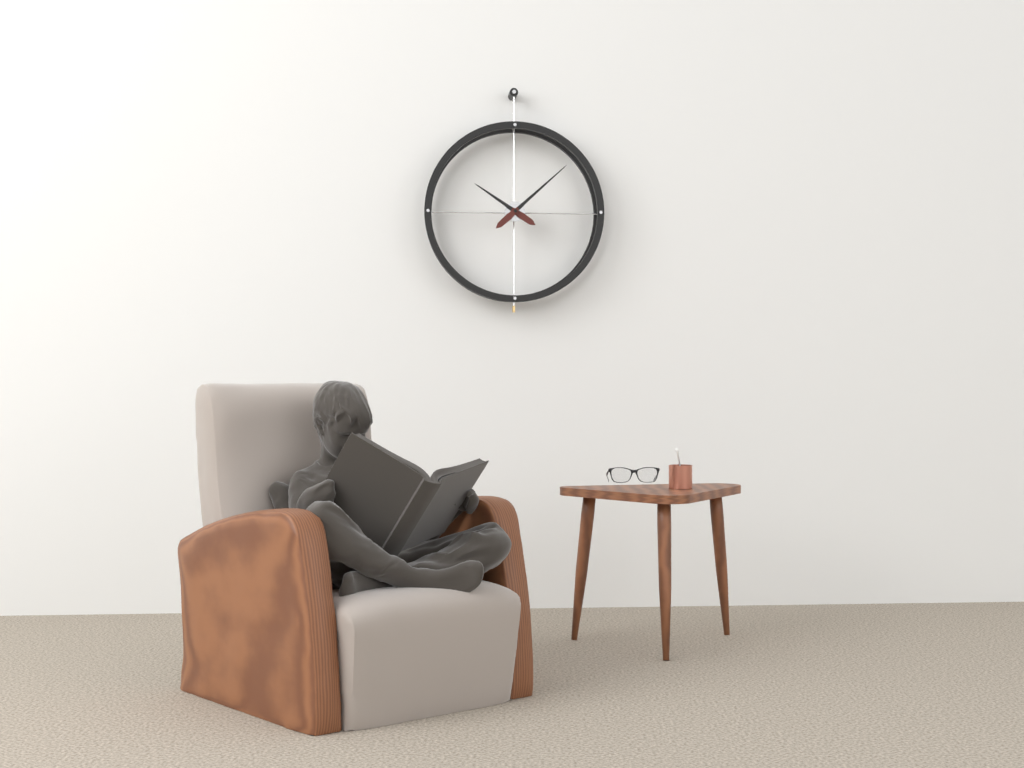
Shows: h=10 m=8
